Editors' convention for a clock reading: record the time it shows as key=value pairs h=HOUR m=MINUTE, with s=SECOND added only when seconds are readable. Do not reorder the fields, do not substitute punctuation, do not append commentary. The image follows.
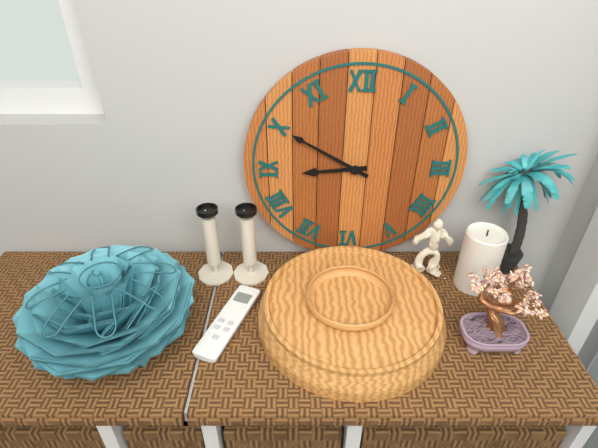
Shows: h=8 m=50
